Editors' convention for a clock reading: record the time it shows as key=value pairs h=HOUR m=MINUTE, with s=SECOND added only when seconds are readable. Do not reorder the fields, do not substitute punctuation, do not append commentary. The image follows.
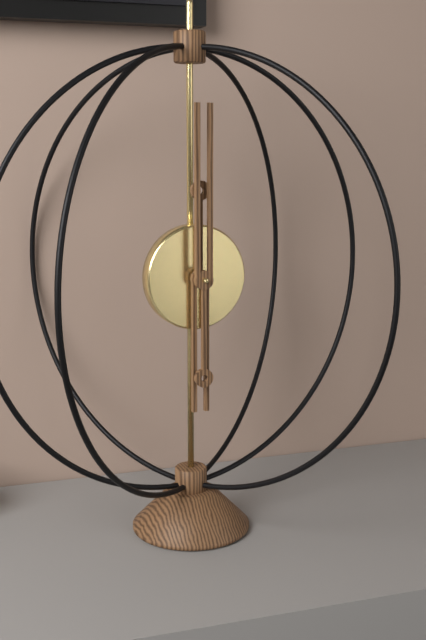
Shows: h=6 m=0
